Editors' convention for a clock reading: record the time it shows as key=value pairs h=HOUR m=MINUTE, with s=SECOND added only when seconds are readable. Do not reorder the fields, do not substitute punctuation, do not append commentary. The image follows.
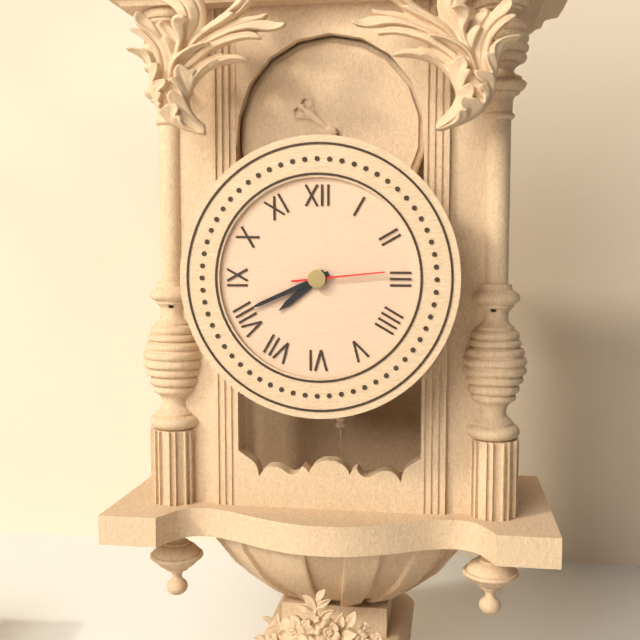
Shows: h=7 m=41 s=14
